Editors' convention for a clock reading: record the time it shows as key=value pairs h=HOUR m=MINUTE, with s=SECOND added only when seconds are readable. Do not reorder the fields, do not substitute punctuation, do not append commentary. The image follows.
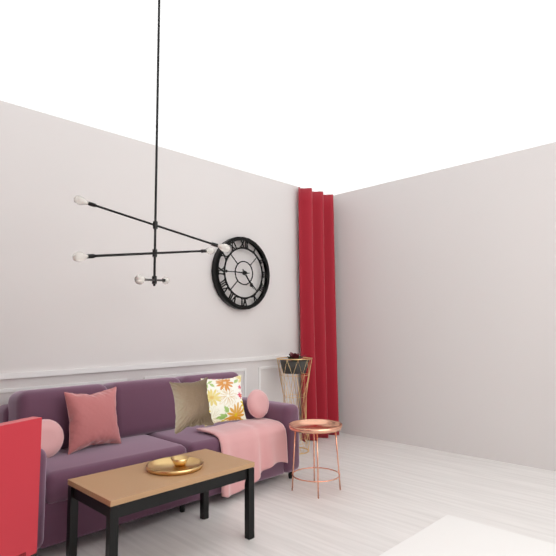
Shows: h=4 m=45
